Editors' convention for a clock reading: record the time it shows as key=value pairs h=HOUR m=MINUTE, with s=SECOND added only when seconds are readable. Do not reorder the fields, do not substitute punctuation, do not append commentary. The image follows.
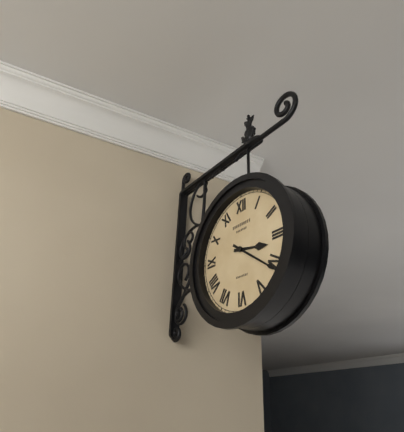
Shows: h=3 m=21
